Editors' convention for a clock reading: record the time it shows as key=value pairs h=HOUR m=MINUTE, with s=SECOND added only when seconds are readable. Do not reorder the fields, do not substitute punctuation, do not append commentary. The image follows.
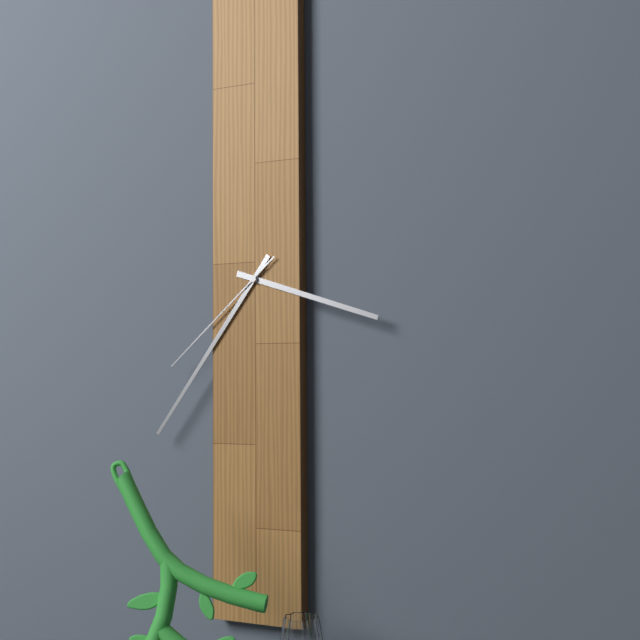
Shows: h=3 m=36 s=38
